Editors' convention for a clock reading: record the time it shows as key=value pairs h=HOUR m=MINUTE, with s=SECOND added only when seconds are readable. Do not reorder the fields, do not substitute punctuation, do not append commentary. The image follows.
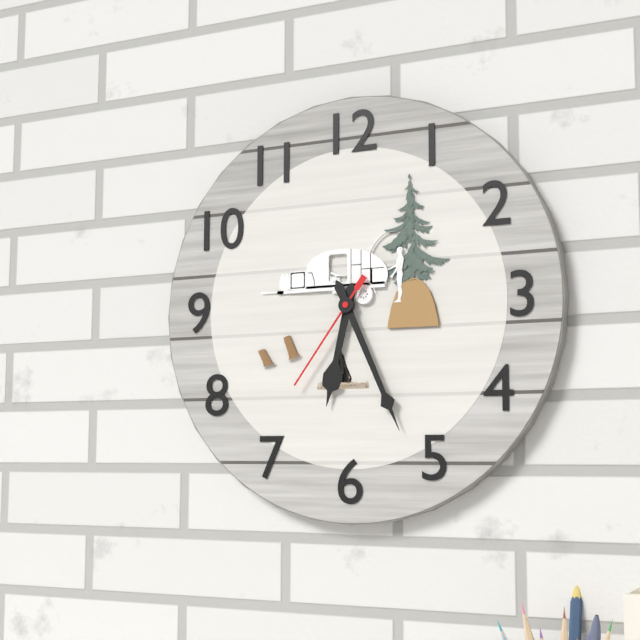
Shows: h=6 m=26 s=36
